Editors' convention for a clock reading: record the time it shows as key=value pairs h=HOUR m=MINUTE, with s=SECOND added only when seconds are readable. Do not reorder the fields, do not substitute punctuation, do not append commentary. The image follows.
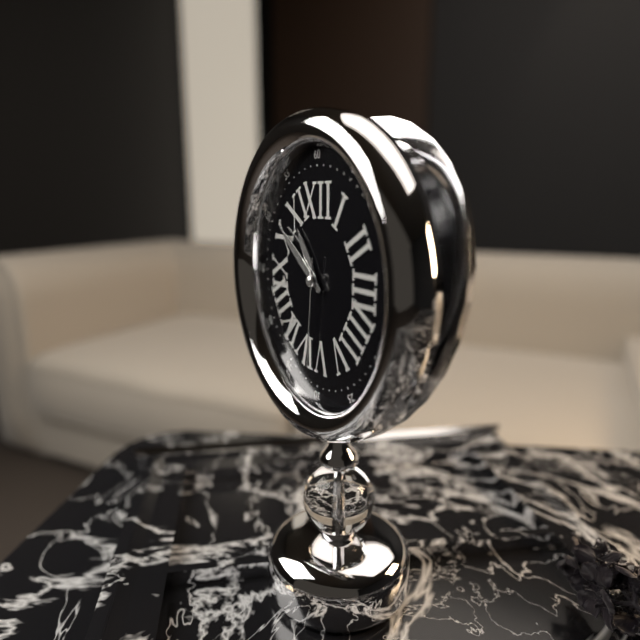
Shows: h=10 m=51 s=31
